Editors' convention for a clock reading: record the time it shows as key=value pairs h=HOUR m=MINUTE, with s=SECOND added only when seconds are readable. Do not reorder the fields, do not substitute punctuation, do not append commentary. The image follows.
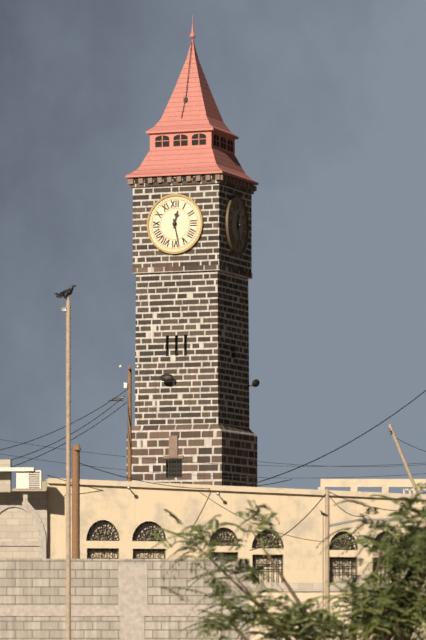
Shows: h=12 m=28
